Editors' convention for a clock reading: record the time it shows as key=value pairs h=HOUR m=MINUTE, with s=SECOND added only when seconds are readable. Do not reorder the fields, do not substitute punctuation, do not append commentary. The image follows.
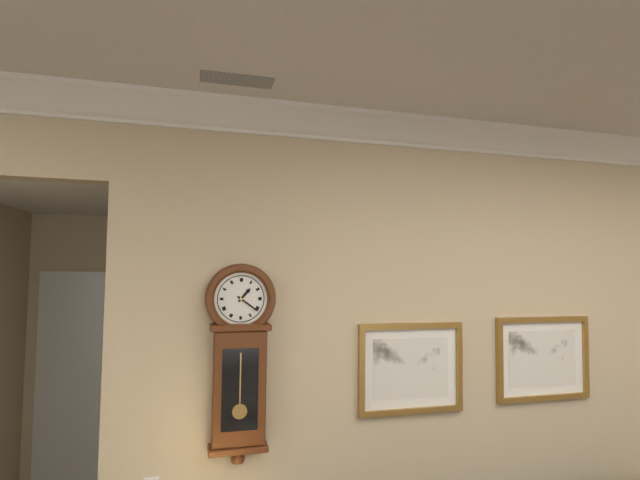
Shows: h=1 m=21
